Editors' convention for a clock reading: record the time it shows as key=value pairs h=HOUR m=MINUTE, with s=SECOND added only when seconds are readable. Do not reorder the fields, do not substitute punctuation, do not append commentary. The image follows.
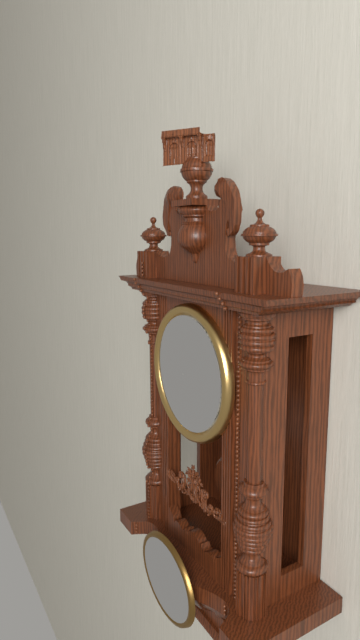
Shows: h=8 m=3
